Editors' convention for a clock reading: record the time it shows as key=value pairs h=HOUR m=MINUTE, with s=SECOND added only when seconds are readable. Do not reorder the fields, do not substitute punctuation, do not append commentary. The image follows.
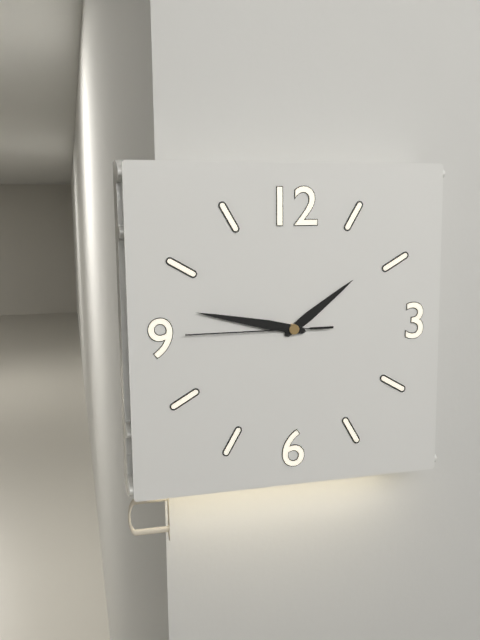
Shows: h=1 m=47 s=45
